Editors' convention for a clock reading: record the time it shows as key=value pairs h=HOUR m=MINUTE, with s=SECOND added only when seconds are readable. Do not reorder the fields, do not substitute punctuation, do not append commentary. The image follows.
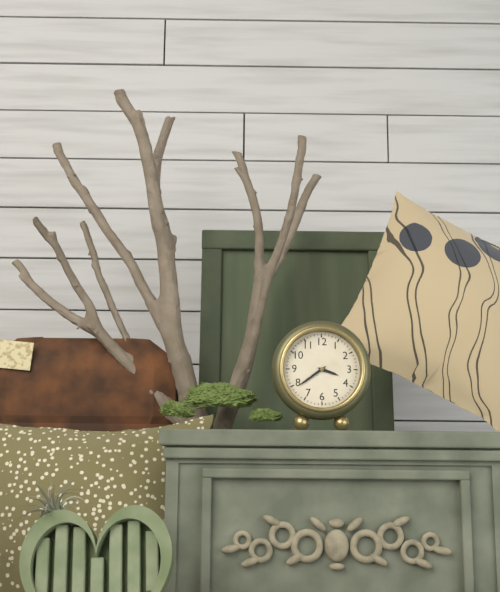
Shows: h=3 m=39
